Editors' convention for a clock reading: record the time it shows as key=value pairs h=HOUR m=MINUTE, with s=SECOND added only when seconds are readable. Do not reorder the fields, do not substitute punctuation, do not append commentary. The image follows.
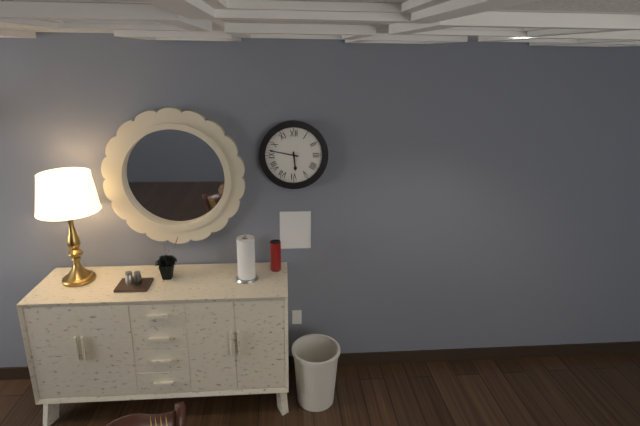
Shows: h=5 m=47
